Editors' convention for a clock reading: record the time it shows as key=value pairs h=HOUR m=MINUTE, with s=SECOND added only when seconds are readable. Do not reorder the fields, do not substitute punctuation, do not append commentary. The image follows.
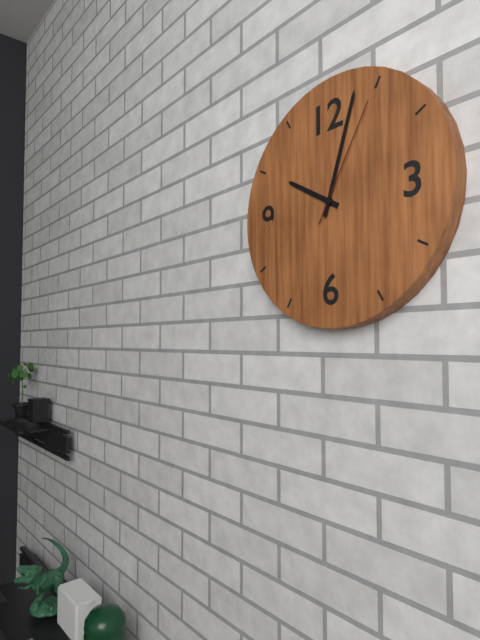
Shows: h=10 m=3 s=5
